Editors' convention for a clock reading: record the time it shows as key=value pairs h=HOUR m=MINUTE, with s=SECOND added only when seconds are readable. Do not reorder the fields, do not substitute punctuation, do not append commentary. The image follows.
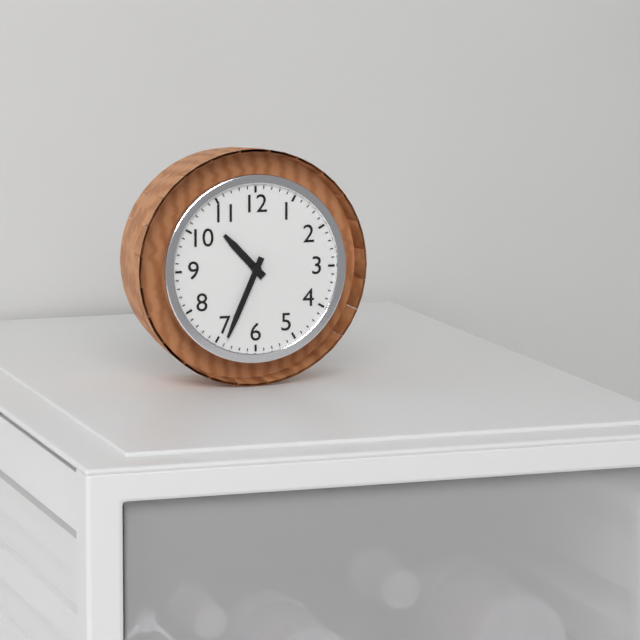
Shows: h=10 m=34
